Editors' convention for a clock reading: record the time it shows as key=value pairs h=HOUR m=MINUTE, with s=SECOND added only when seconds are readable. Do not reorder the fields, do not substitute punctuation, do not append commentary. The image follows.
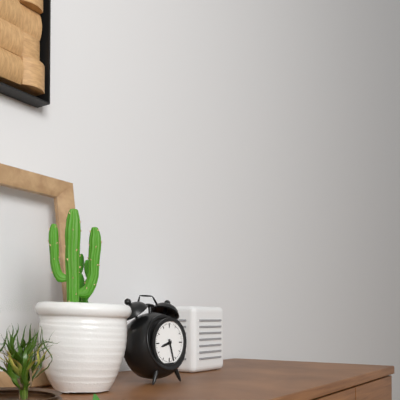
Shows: h=8 m=27
